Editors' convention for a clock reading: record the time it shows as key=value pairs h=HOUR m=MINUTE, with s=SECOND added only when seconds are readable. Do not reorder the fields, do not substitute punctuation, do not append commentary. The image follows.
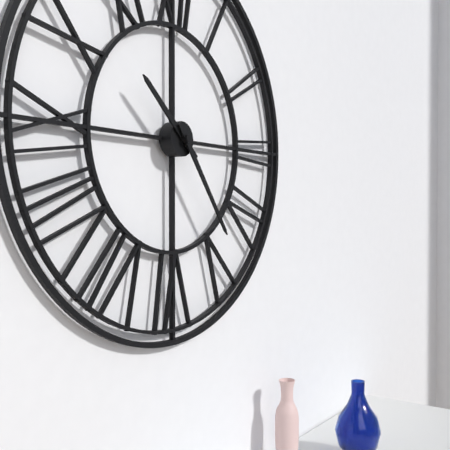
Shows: h=10 m=24
